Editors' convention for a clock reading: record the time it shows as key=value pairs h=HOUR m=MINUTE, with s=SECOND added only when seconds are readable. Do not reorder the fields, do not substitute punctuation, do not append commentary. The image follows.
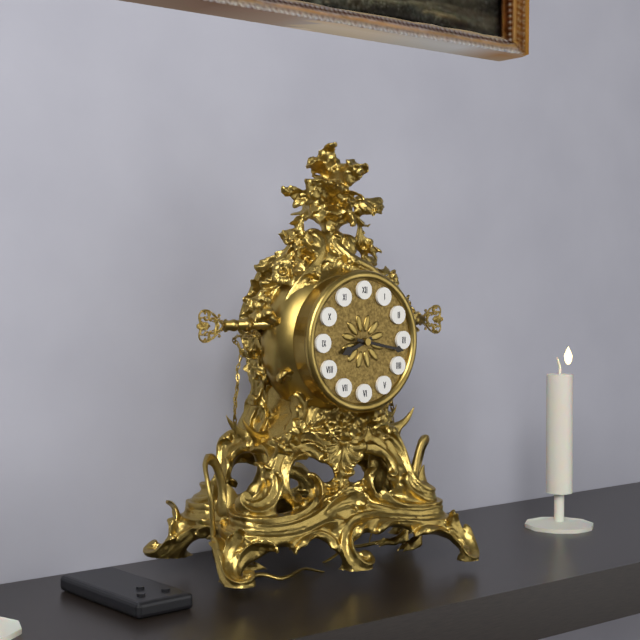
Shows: h=8 m=17
